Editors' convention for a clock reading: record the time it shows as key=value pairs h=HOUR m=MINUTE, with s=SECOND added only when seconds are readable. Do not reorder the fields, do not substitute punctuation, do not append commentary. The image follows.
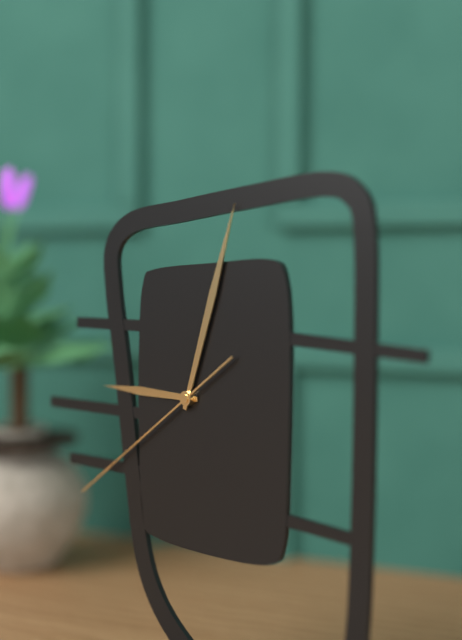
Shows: h=9 m=3 s=39
